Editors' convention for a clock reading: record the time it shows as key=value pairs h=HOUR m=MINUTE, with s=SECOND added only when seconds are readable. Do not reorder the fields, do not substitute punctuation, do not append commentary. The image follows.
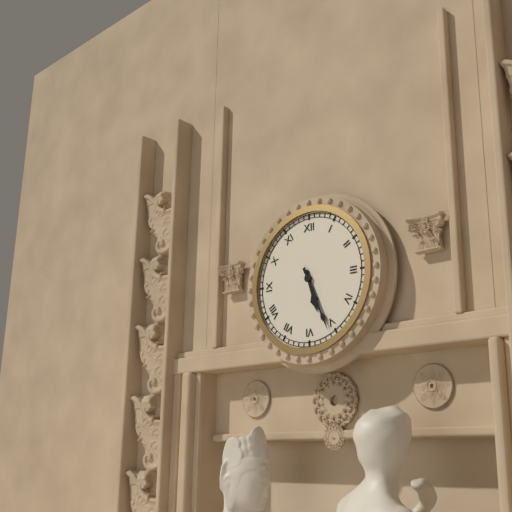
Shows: h=5 m=26
